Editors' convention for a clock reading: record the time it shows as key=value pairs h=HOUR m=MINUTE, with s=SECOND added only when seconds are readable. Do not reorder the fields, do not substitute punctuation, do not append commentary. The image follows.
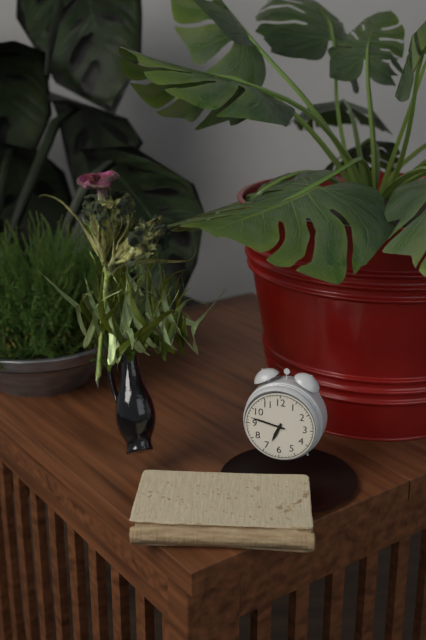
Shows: h=6 m=47
